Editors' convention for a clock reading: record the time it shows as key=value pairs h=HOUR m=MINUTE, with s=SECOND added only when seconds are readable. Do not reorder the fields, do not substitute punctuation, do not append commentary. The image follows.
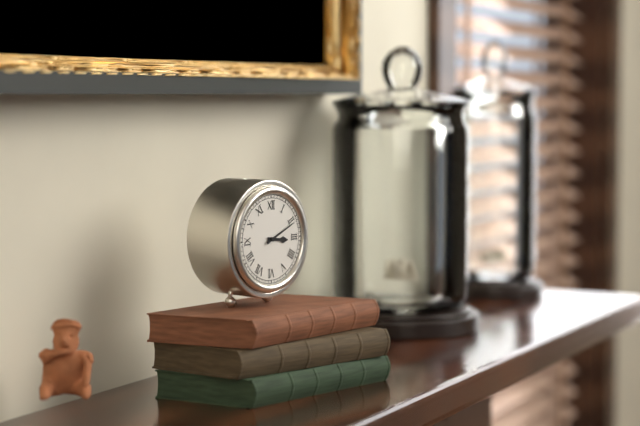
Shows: h=3 m=11
